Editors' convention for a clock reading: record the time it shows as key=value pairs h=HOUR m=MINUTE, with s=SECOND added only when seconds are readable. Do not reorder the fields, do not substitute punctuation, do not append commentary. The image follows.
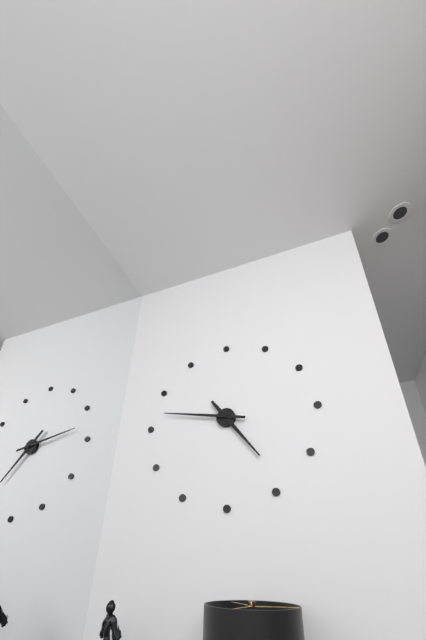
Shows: h=4 m=47
